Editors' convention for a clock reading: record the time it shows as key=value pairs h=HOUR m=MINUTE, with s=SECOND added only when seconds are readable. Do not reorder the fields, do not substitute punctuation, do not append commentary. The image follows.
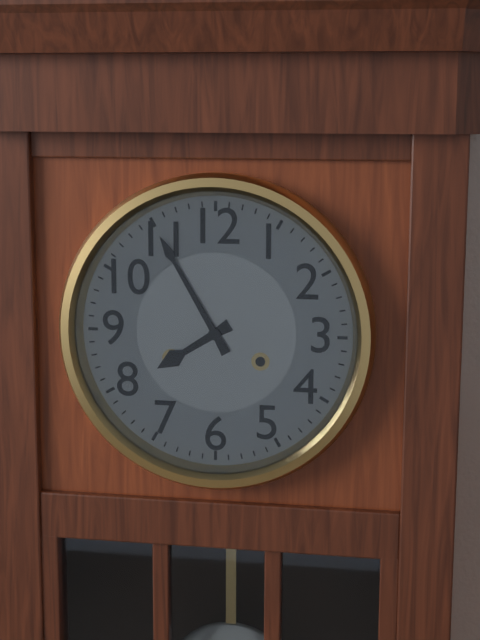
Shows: h=7 m=55
